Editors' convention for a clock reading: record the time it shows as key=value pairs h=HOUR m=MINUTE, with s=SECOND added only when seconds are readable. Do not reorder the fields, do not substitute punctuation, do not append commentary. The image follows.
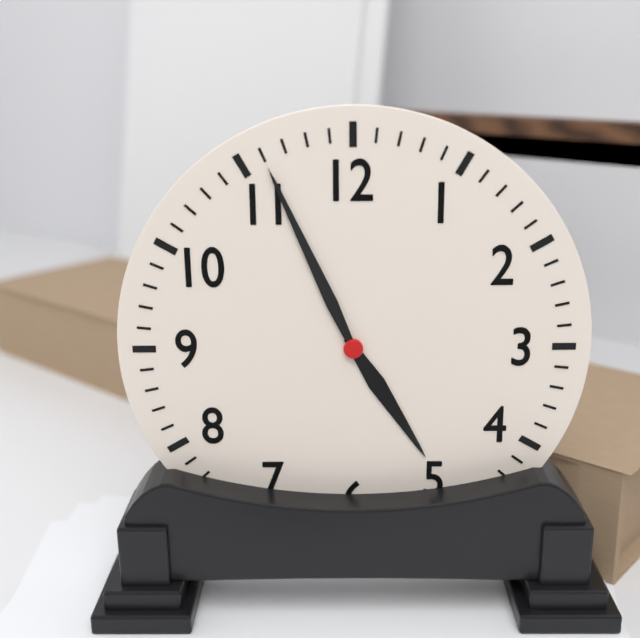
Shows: h=4 m=56
